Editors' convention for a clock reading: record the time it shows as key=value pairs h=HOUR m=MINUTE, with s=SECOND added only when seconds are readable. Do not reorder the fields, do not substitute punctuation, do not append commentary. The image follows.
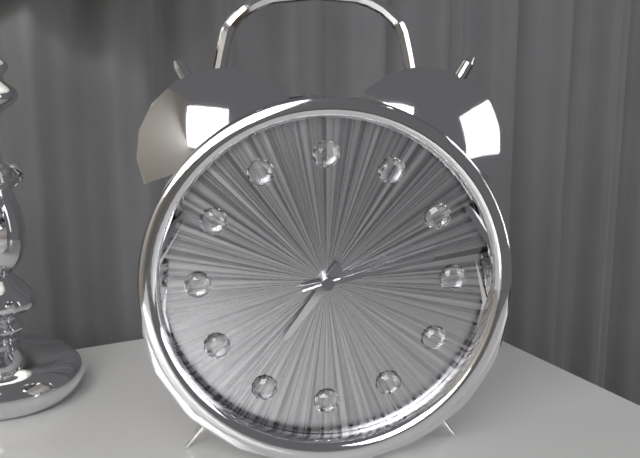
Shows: h=7 m=13 s=12
